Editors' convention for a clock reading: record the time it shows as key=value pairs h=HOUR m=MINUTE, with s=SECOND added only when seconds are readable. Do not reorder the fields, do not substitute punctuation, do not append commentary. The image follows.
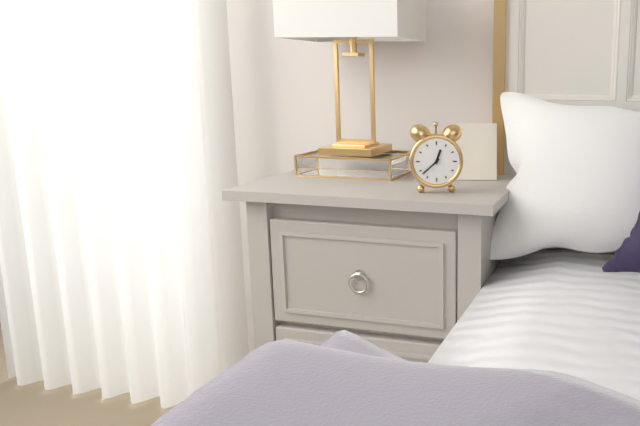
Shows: h=12 m=38
